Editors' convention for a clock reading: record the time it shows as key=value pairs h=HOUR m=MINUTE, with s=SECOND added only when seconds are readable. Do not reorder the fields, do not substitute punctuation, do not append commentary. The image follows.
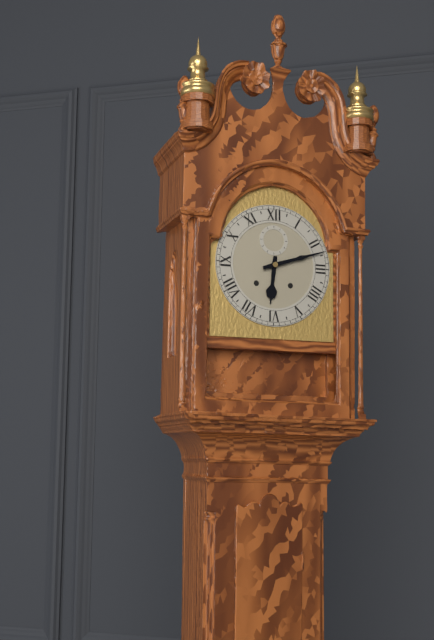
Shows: h=6 m=12
